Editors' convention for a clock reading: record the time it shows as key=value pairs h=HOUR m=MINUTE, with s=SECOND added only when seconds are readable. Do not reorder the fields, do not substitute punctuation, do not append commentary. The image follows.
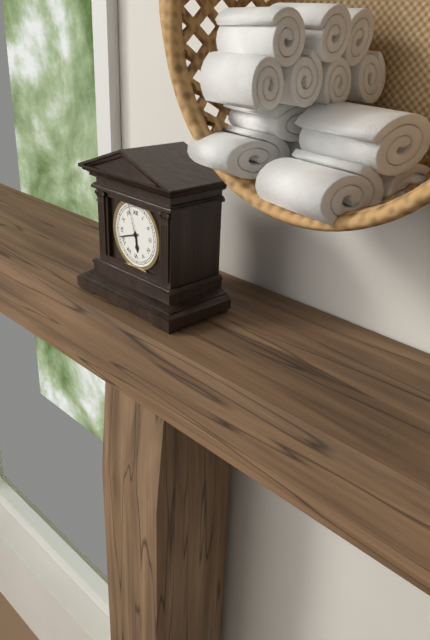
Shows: h=5 m=42
